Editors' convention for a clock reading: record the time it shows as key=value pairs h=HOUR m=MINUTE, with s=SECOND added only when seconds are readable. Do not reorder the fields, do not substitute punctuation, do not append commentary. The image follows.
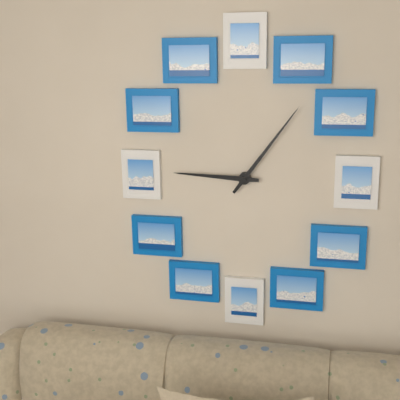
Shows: h=9 m=6
